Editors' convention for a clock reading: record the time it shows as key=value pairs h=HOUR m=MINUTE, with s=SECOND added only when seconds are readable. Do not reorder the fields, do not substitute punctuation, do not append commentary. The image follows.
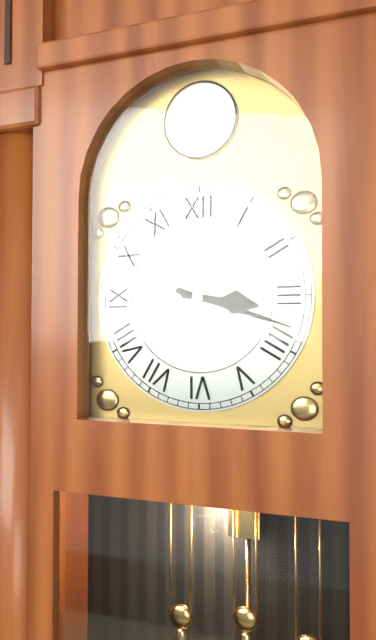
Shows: h=3 m=18
